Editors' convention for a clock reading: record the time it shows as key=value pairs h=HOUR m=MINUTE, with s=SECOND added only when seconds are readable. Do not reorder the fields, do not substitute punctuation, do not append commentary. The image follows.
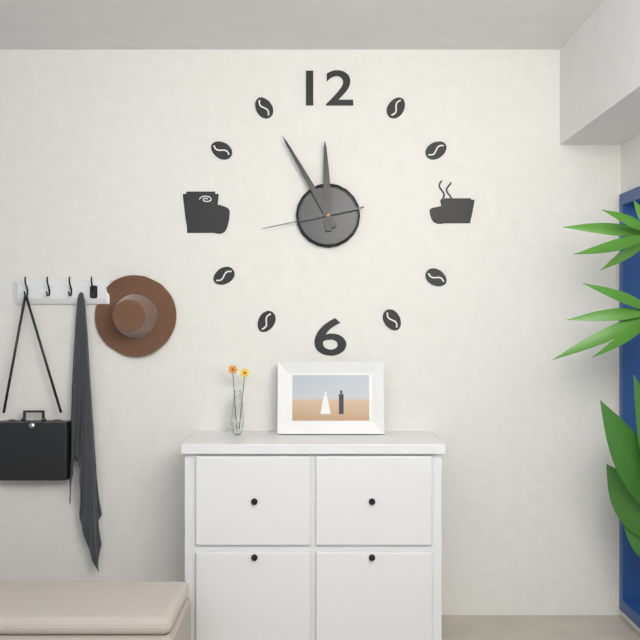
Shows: h=11 m=55 s=43
